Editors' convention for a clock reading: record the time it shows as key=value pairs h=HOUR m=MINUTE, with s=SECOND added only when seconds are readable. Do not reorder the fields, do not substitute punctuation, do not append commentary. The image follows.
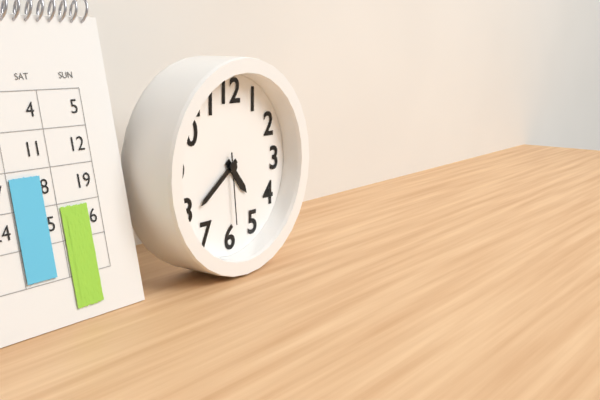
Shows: h=4 m=39 s=29
